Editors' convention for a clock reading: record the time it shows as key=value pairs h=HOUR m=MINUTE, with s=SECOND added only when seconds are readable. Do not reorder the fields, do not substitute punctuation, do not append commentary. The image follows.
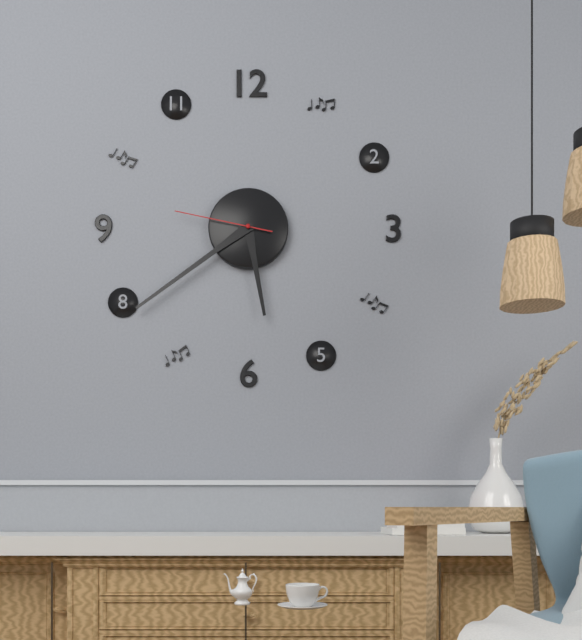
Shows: h=5 m=39 s=47
